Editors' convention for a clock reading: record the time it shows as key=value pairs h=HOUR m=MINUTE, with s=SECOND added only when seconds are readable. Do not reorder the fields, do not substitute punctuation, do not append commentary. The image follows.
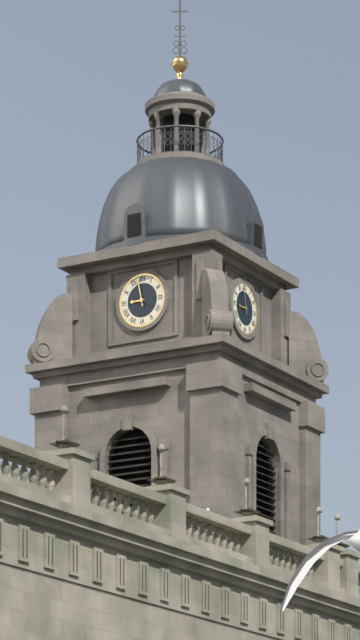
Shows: h=8 m=58
